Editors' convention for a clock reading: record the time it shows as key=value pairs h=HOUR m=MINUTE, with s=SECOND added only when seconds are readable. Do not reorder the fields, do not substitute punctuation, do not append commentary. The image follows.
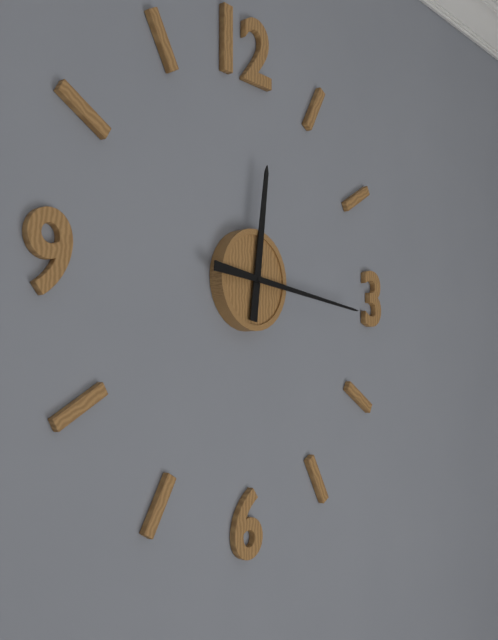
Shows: h=12 m=16
